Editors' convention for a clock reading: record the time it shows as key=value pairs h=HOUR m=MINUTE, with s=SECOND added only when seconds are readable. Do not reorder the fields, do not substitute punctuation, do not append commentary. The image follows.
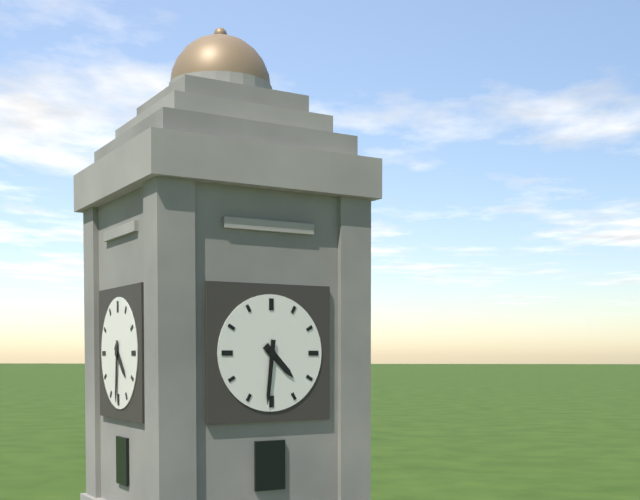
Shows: h=4 m=31
